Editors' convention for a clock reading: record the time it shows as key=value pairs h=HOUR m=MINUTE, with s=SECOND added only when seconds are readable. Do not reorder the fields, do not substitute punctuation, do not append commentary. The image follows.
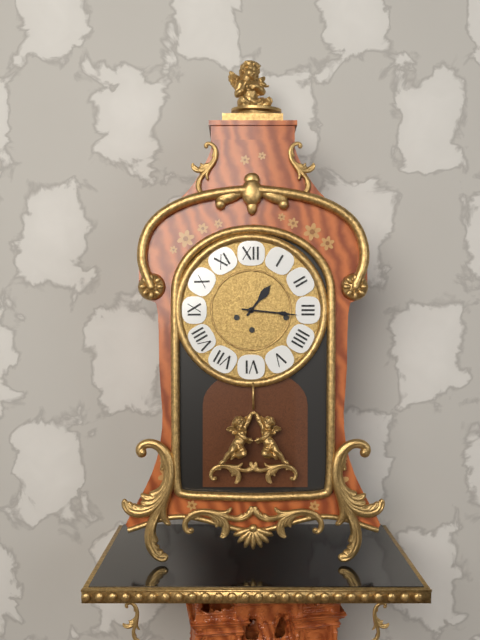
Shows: h=1 m=16
